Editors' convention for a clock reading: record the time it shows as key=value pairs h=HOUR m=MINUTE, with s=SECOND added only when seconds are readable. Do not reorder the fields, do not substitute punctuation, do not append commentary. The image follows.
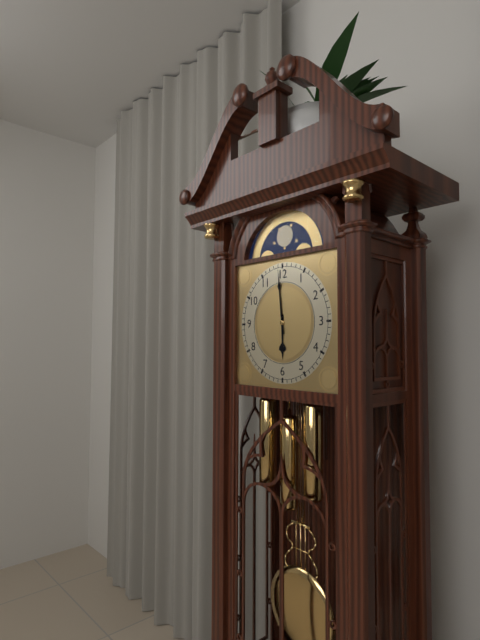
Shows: h=5 m=59
